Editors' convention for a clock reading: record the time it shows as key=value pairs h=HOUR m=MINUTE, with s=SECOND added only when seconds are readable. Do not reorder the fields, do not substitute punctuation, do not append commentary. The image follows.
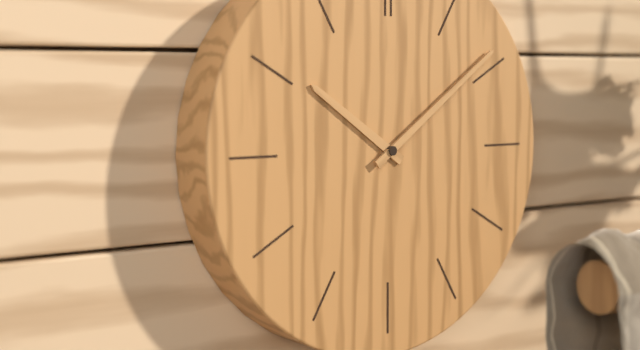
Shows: h=10 m=9
